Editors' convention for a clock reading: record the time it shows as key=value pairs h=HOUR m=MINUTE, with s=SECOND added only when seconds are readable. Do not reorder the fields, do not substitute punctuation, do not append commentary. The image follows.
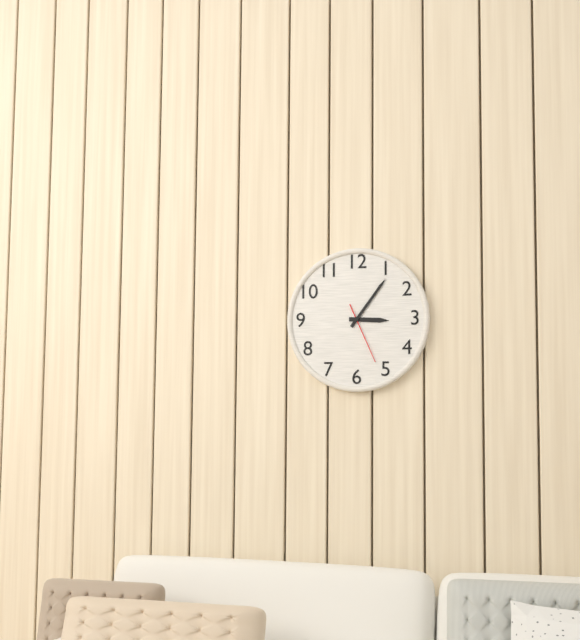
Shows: h=3 m=6 s=26
